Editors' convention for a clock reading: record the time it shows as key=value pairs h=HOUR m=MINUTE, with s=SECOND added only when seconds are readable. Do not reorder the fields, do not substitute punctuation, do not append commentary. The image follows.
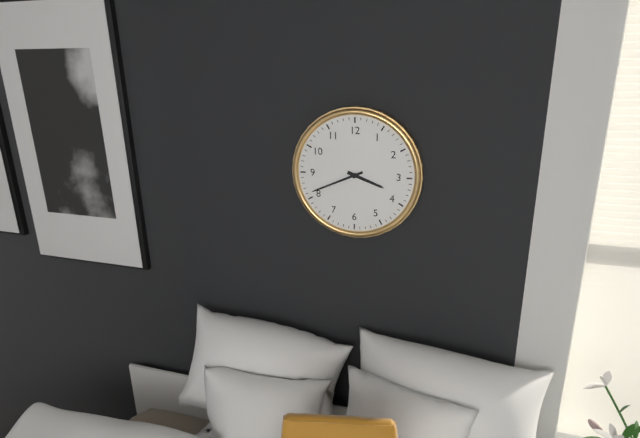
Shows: h=3 m=41
